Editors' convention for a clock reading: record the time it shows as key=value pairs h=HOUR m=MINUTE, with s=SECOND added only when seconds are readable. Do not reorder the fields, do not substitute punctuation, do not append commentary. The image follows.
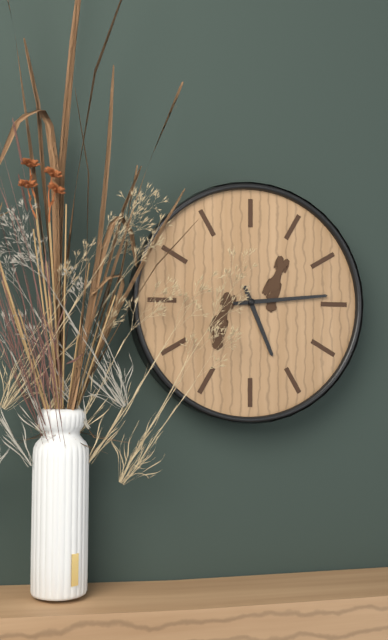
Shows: h=5 m=14
